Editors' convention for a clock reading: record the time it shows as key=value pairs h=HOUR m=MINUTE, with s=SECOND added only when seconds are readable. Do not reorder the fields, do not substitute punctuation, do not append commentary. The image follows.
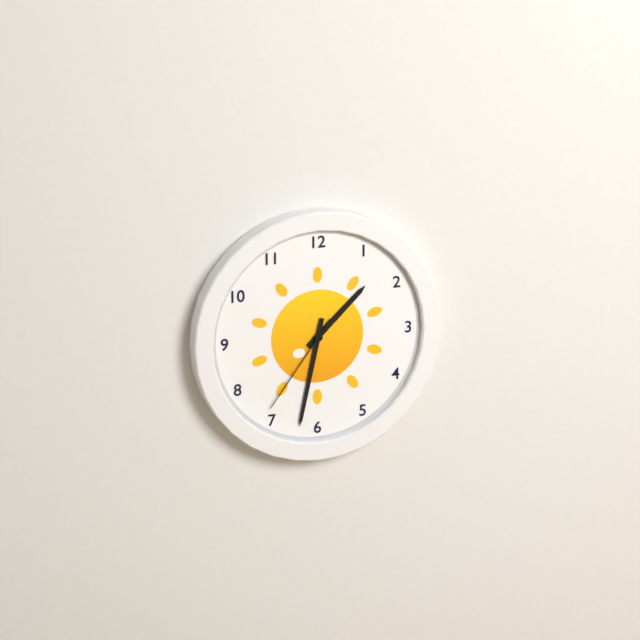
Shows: h=1 m=32 s=36
